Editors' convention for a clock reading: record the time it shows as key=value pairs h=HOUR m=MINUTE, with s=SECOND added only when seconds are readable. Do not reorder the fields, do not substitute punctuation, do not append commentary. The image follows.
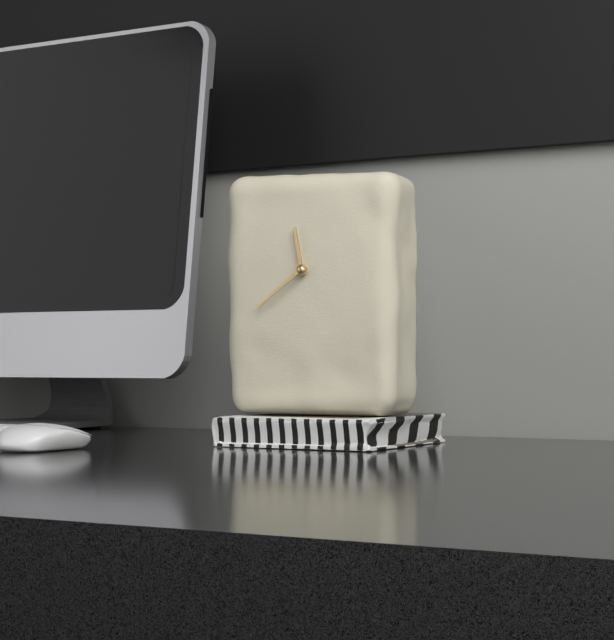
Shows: h=11 m=39
